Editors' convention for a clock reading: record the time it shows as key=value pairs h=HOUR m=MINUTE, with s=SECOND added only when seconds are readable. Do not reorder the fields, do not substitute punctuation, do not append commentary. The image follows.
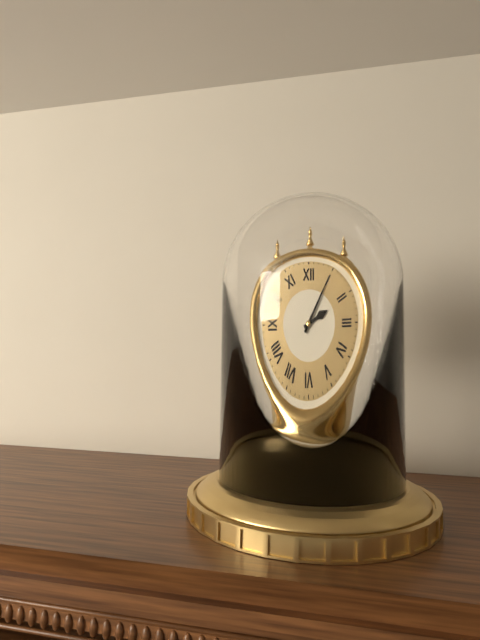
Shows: h=2 m=5
